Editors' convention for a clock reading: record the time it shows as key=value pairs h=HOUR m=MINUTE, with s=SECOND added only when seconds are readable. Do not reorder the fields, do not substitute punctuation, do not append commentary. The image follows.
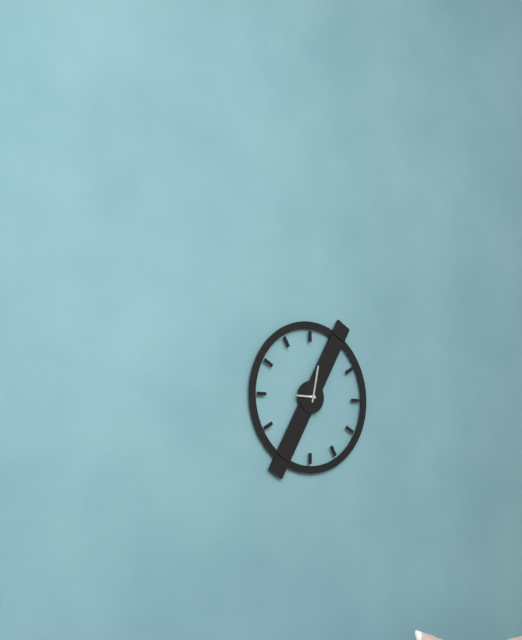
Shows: h=9 m=2
